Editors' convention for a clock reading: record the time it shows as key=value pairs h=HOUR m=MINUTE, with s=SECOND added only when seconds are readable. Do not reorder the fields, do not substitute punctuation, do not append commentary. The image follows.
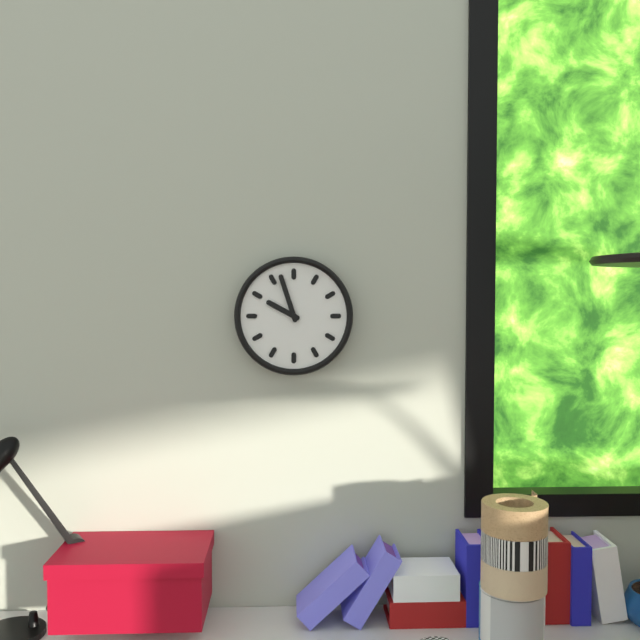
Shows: h=9 m=57
